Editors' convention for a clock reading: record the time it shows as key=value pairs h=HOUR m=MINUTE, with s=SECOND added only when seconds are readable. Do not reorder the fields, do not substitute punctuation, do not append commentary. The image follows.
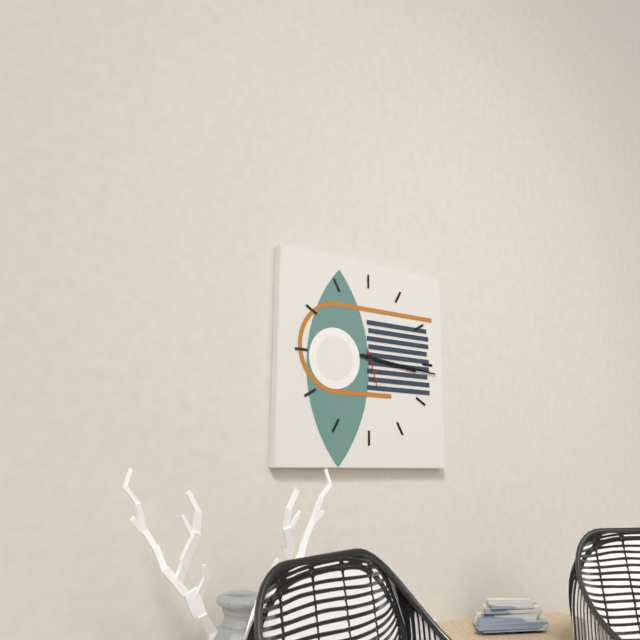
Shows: h=3 m=16
